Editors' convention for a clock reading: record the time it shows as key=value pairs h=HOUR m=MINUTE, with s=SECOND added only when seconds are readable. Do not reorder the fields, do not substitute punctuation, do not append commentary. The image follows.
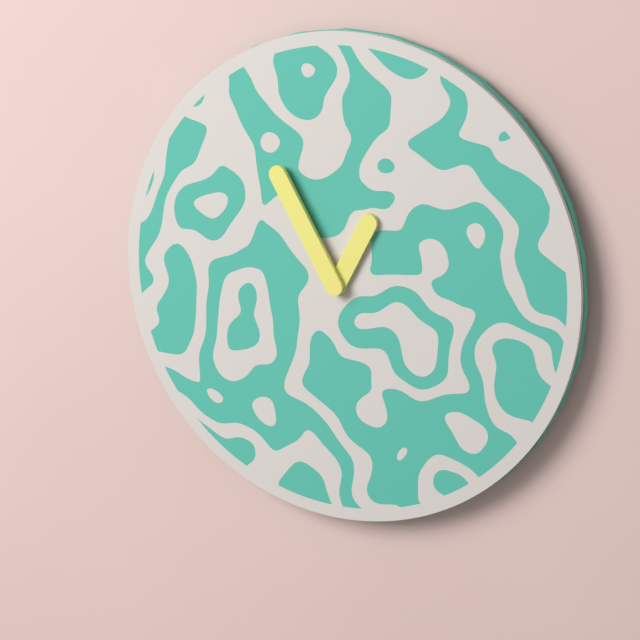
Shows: h=12 m=55
